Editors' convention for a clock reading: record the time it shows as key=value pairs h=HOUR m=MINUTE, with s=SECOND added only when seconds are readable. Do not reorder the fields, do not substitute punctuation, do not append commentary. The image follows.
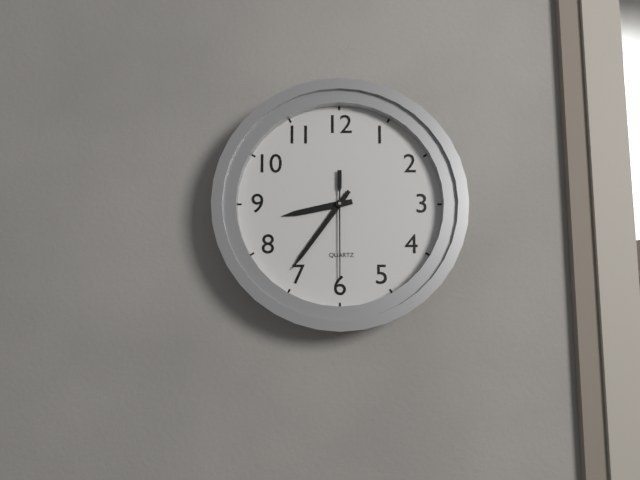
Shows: h=8 m=36 s=30
